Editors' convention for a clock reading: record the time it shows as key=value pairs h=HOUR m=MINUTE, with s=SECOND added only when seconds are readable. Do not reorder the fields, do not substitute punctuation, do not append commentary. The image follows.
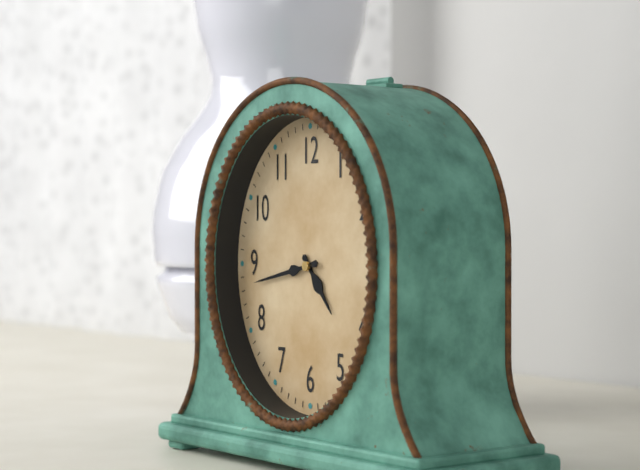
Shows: h=4 m=43
